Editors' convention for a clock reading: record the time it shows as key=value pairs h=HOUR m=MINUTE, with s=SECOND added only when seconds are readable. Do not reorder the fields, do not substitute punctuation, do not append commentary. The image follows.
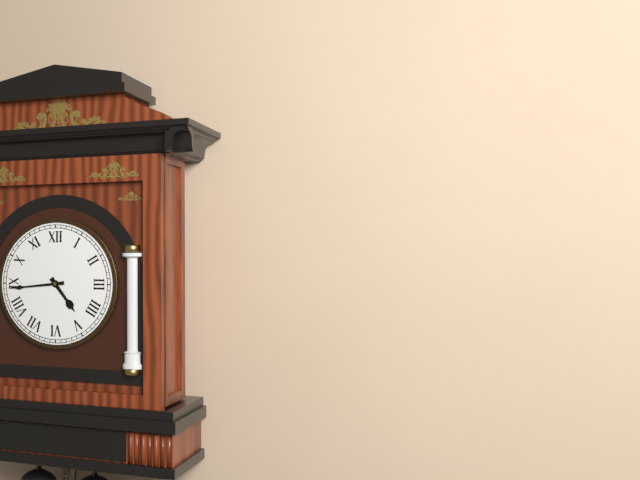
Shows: h=4 m=44
